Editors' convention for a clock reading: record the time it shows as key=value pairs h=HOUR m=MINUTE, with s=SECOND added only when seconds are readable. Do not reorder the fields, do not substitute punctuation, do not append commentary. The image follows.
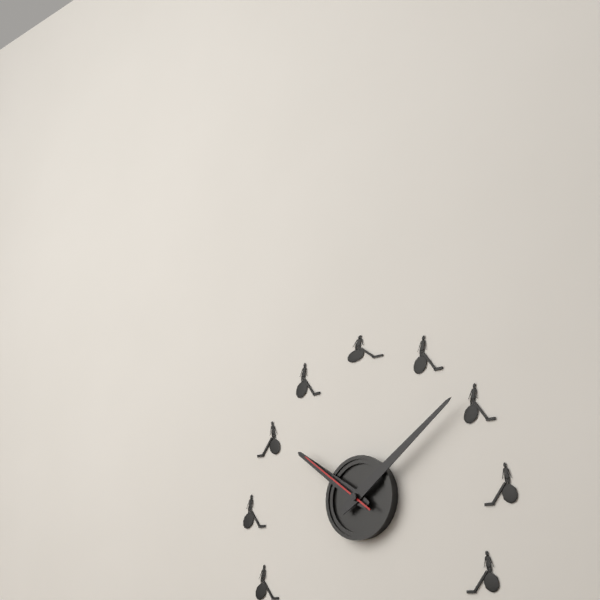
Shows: h=10 m=9 s=51
